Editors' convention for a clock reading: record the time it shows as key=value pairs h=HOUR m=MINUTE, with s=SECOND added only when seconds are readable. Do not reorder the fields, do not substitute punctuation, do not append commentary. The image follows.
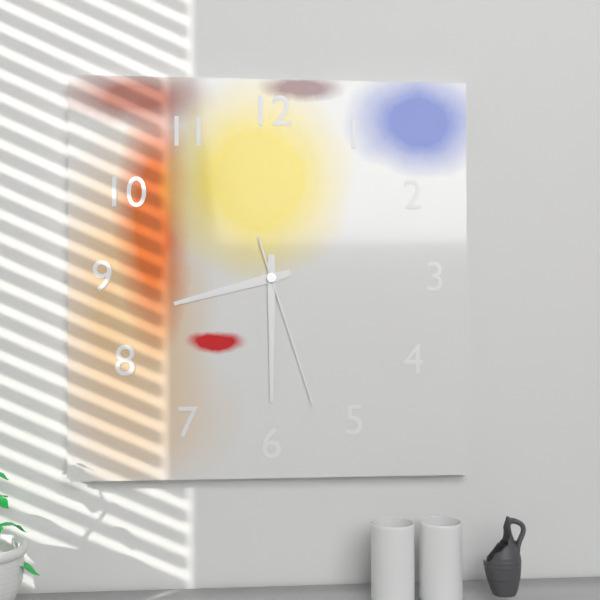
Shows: h=8 m=30 s=27
